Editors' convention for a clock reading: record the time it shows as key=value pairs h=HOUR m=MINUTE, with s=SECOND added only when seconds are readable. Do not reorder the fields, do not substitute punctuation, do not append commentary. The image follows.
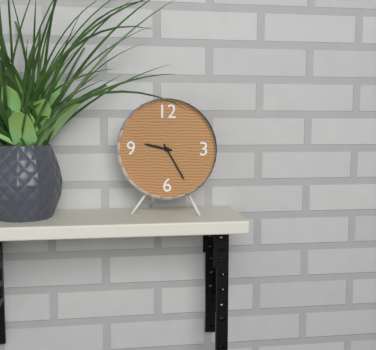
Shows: h=9 m=25
